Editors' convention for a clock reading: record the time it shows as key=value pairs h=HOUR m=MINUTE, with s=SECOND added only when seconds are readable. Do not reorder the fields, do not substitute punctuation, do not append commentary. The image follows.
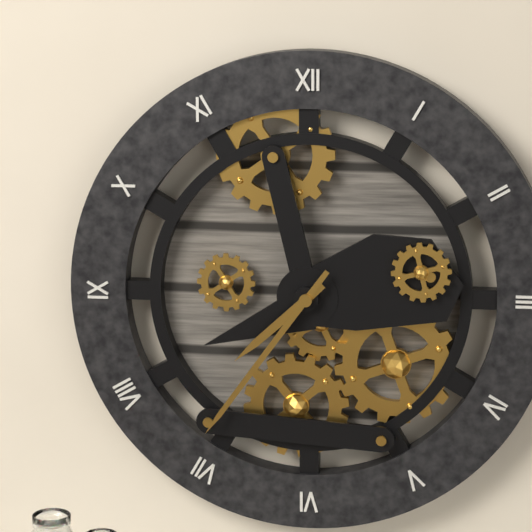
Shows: h=7 m=36
